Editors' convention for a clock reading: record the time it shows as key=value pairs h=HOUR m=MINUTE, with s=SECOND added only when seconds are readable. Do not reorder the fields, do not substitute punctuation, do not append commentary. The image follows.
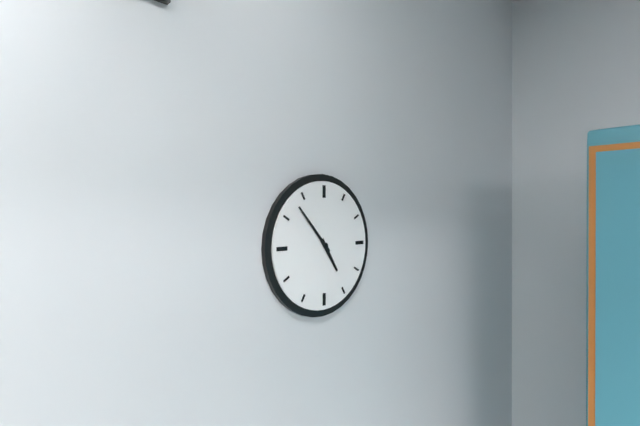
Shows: h=4 m=53
